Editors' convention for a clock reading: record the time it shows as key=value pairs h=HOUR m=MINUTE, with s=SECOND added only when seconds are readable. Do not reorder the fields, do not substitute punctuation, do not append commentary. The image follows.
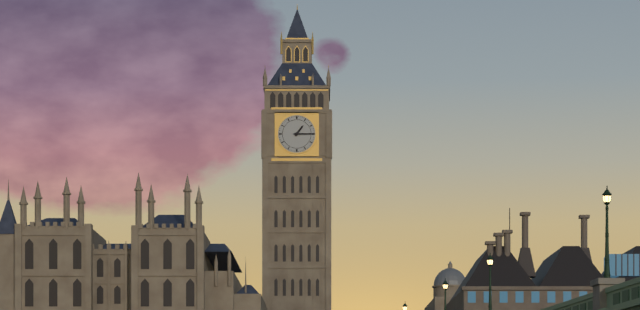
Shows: h=1 m=15
